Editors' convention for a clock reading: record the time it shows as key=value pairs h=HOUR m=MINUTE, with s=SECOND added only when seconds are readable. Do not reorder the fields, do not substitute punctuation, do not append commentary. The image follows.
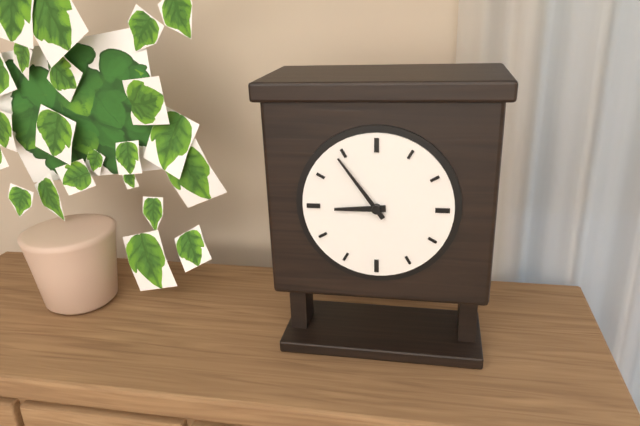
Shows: h=8 m=54
